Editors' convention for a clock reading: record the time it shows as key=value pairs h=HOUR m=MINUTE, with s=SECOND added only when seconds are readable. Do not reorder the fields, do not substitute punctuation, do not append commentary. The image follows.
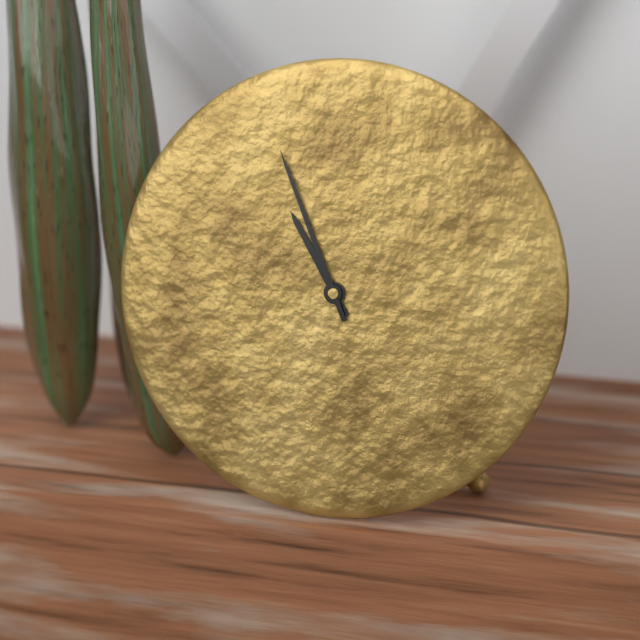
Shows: h=10 m=56
